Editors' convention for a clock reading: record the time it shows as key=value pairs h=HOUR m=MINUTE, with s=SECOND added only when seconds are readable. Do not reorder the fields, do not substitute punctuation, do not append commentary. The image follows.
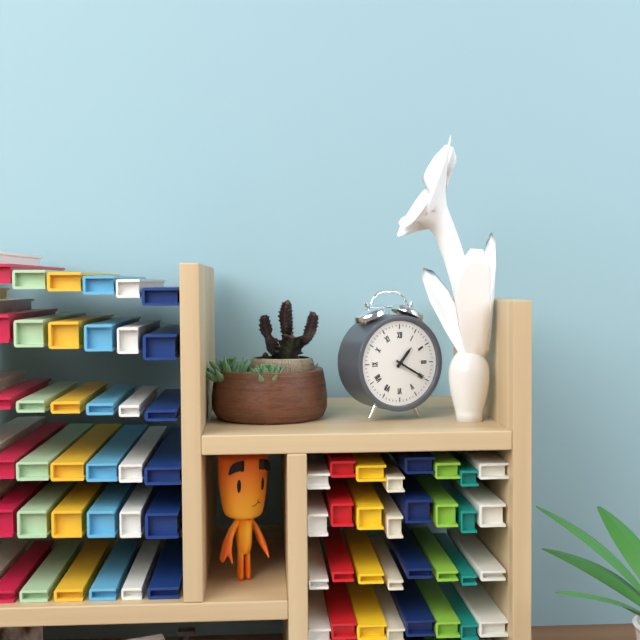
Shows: h=1 m=20
